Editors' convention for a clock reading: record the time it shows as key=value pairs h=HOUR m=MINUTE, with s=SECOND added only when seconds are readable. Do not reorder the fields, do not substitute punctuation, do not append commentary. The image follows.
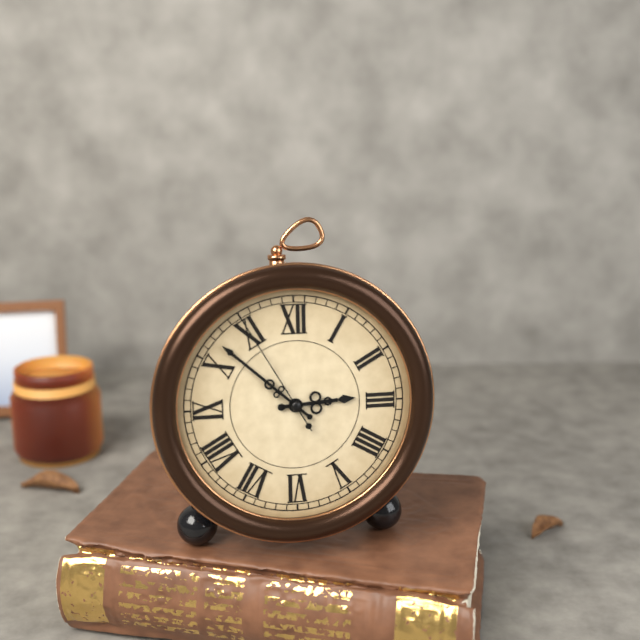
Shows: h=2 m=52 s=55
